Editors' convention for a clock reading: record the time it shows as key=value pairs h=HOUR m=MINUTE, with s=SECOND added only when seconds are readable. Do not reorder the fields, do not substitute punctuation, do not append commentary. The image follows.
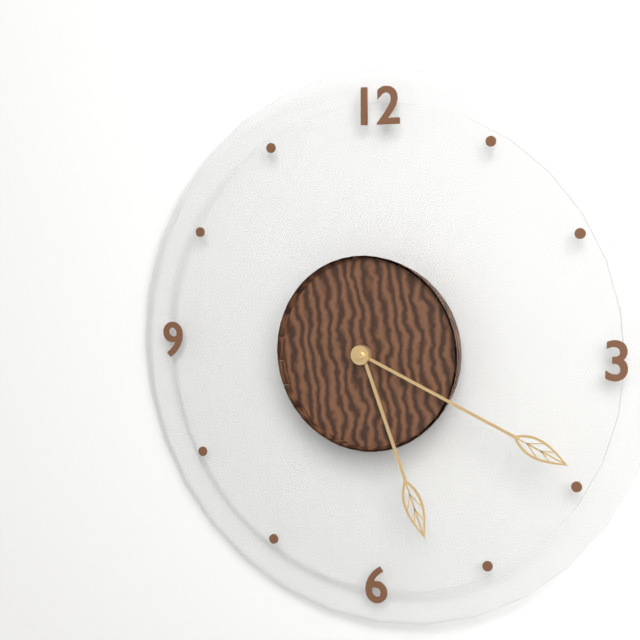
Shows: h=5 m=19
